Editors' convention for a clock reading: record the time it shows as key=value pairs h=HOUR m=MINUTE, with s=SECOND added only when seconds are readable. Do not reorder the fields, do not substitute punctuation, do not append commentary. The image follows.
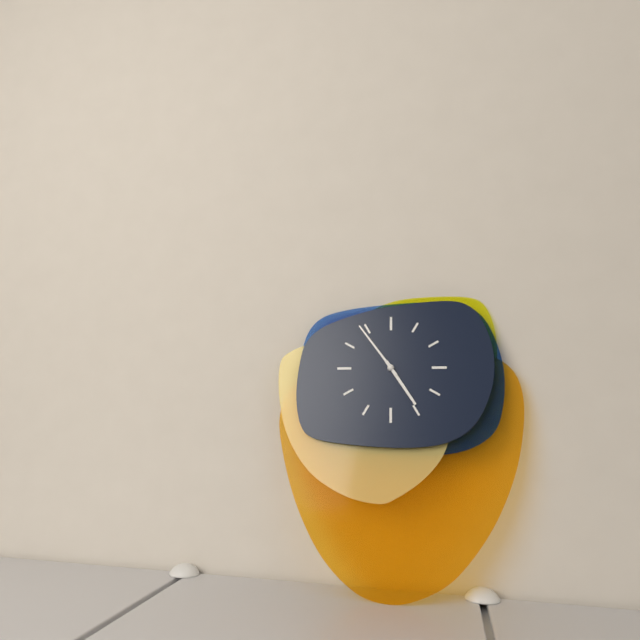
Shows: h=4 m=54
